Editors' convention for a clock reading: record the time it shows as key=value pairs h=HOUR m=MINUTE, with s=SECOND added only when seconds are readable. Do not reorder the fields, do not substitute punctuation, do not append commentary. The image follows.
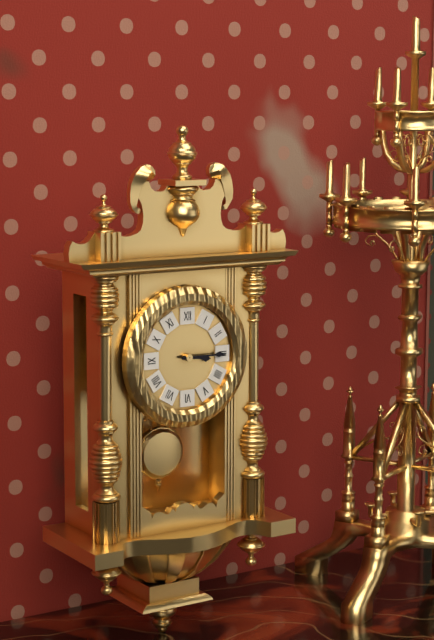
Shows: h=3 m=15
